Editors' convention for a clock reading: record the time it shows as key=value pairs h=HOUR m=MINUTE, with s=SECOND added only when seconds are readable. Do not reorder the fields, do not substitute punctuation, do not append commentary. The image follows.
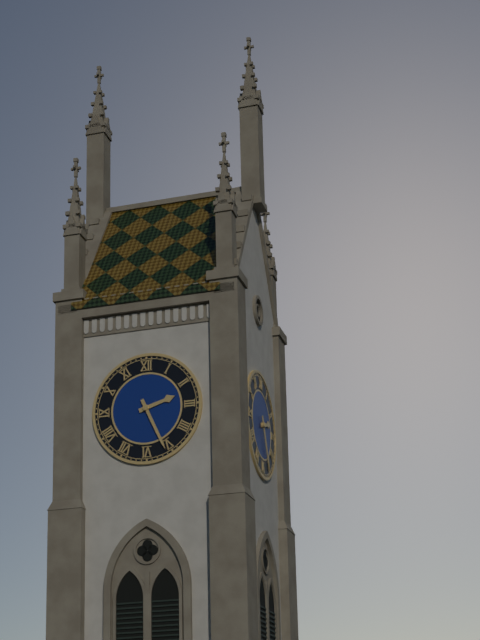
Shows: h=2 m=26
